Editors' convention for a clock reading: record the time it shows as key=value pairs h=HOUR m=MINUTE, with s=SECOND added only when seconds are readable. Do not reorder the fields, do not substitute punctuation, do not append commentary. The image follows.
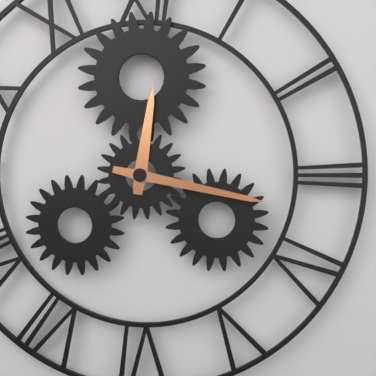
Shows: h=12 m=17
